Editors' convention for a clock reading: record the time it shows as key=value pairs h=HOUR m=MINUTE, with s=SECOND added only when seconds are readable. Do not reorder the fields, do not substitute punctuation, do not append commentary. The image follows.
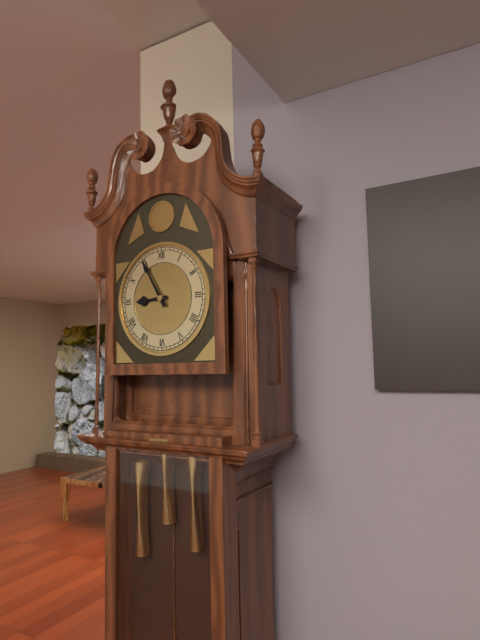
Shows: h=8 m=55
